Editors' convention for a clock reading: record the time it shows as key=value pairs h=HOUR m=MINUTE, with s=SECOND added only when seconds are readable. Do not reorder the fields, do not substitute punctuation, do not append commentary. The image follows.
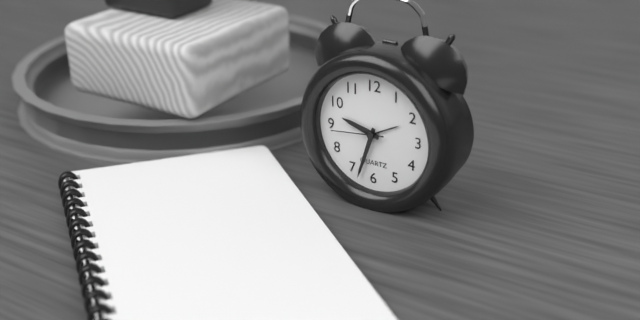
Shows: h=9 m=33 s=44
